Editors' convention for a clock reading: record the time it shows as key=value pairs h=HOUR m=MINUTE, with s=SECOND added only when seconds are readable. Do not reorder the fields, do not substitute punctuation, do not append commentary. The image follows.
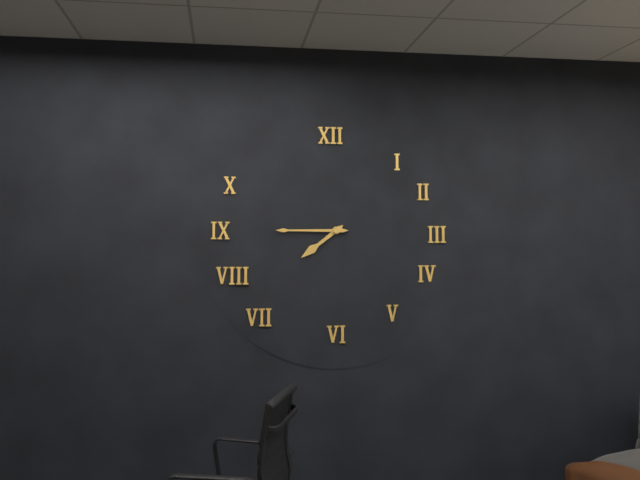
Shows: h=7 m=45
